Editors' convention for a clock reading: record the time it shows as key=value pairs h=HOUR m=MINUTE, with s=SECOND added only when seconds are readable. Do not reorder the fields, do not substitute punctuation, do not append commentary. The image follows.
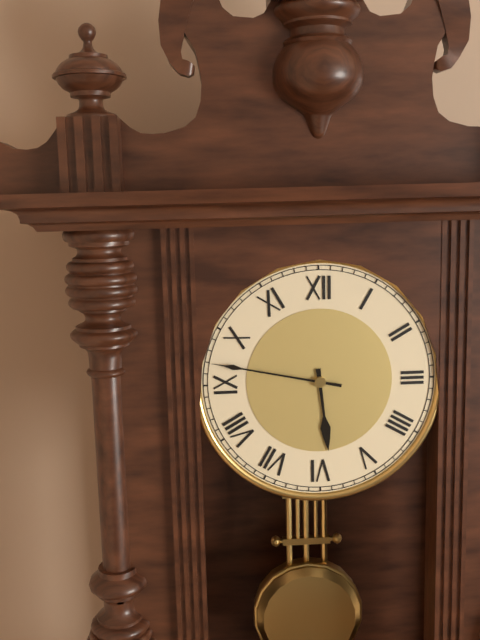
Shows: h=5 m=47
